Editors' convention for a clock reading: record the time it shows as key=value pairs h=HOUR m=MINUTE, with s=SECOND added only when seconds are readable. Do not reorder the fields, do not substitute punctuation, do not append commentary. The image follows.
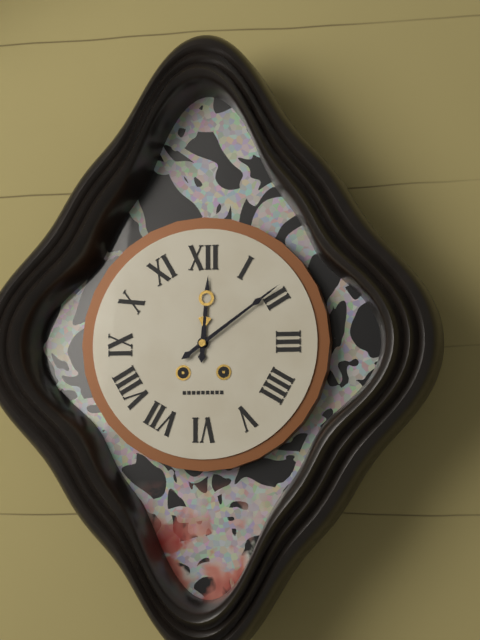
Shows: h=12 m=9
